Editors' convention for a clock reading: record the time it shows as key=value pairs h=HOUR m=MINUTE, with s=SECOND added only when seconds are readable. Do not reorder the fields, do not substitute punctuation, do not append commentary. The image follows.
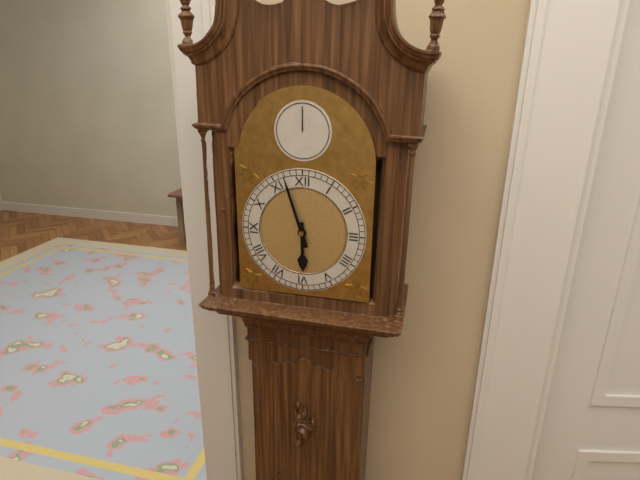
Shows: h=5 m=57
